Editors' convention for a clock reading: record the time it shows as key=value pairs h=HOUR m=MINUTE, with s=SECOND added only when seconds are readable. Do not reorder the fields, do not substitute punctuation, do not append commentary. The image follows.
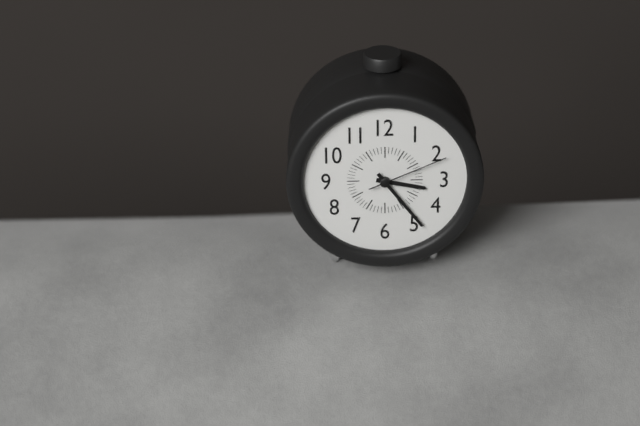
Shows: h=3 m=24 s=11
